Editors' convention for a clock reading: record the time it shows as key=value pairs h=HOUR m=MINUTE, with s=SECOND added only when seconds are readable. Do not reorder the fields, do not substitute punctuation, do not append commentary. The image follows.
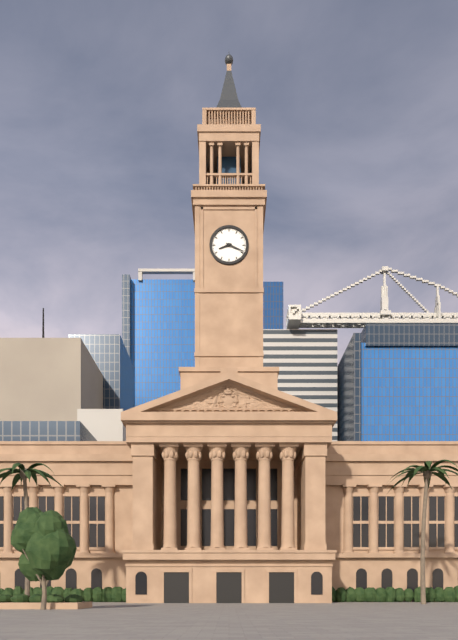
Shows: h=8 m=19
